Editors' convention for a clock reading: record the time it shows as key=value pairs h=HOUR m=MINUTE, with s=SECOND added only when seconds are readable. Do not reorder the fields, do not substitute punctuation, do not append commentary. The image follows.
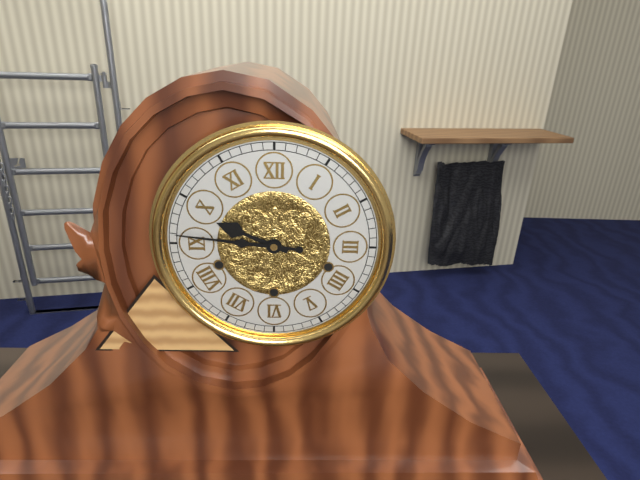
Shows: h=9 m=46
